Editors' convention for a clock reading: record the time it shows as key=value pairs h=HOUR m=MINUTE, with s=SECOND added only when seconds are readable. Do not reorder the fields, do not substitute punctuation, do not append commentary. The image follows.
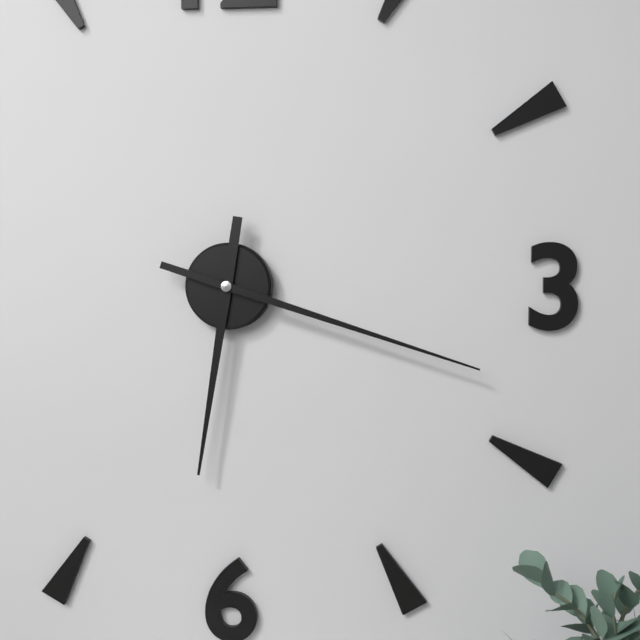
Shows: h=6 m=18
